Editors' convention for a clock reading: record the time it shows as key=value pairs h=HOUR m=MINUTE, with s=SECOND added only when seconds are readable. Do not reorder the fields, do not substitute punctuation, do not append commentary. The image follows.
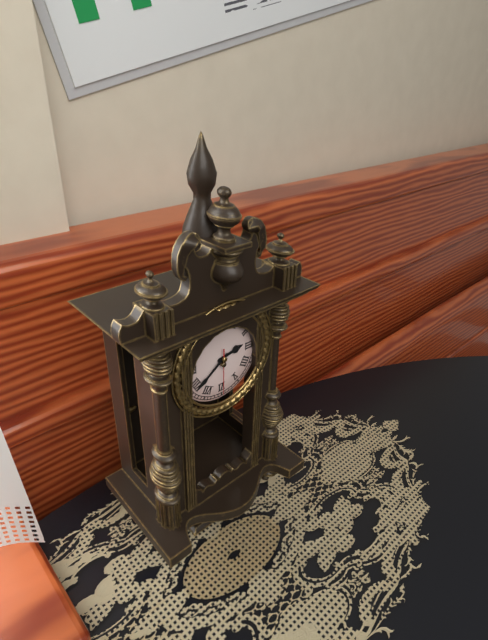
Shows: h=2 m=39
